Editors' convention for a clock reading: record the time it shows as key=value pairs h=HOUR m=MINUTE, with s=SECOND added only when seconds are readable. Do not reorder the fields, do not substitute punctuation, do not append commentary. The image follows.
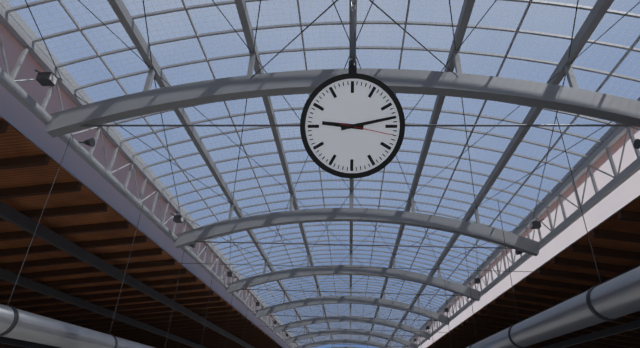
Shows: h=9 m=13 s=17
